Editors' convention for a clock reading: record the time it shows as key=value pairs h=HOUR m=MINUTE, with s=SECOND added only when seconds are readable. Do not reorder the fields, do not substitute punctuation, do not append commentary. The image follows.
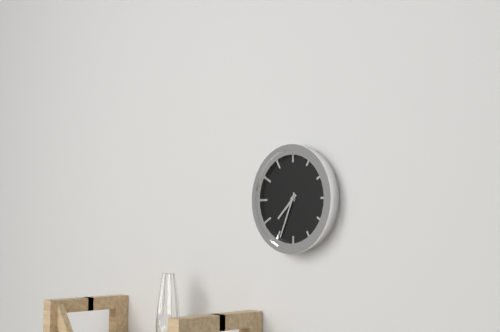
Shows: h=7 m=34
